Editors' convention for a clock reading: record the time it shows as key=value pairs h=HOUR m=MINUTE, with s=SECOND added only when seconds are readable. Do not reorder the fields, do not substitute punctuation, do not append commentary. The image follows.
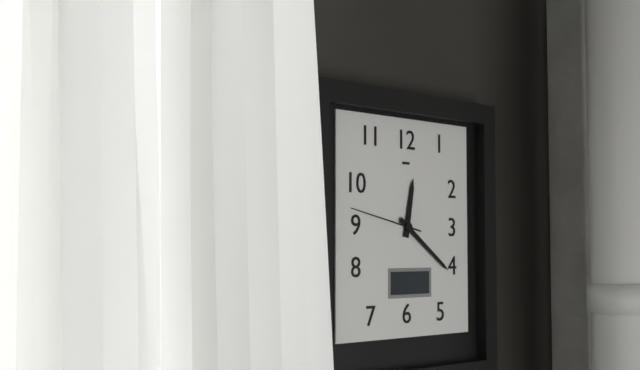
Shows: h=12 m=21 s=47
